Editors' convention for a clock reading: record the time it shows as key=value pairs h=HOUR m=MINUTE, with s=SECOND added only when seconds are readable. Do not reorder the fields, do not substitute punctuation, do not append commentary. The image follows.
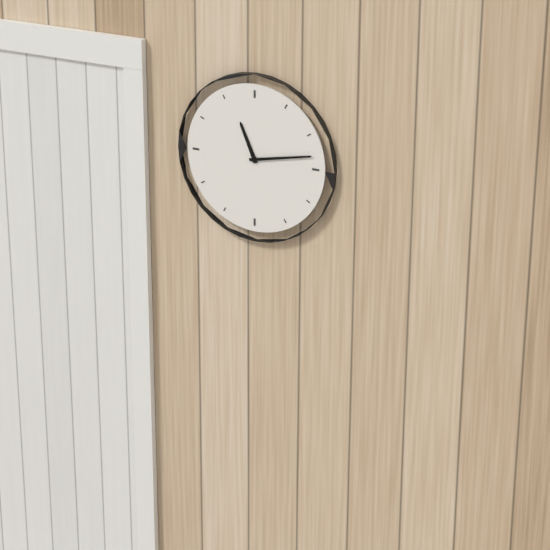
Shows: h=11 m=13
